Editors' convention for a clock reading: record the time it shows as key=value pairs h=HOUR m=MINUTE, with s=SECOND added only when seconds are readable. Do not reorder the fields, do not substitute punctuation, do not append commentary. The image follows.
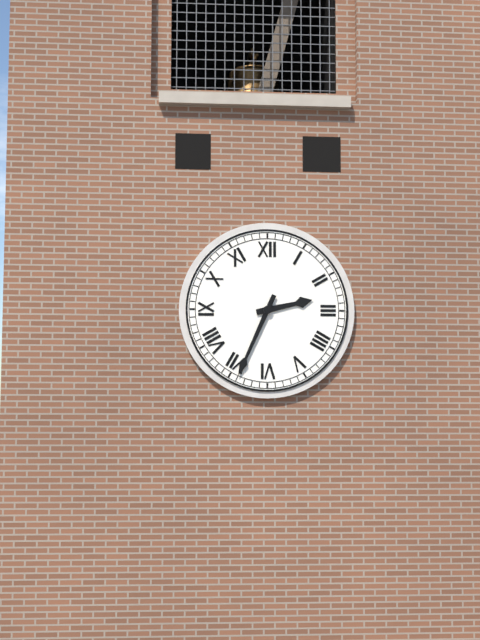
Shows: h=2 m=34
